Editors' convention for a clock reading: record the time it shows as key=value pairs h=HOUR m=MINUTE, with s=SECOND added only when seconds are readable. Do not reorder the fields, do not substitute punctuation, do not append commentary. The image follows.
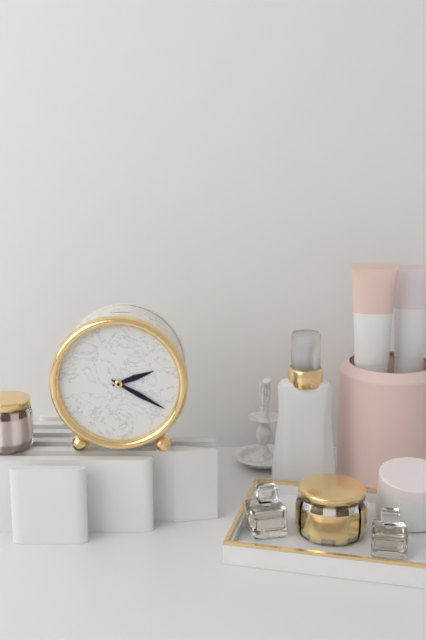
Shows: h=2 m=20
